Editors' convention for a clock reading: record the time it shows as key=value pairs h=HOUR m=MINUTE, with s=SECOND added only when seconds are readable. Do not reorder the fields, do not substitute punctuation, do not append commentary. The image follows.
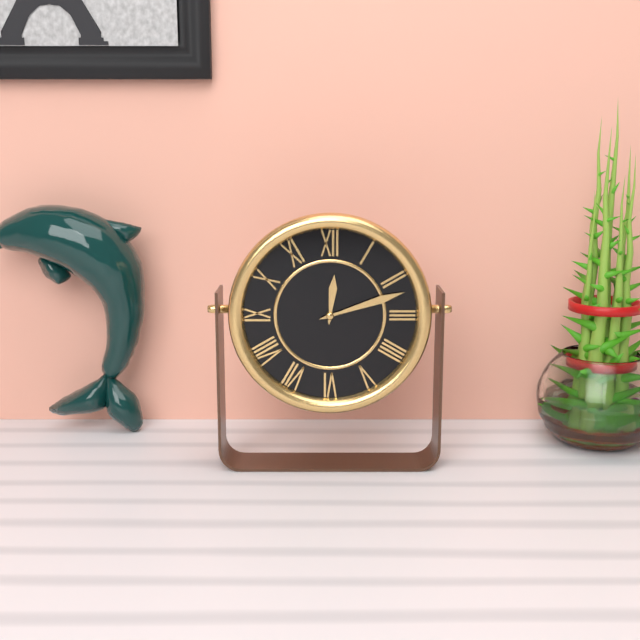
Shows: h=12 m=12
